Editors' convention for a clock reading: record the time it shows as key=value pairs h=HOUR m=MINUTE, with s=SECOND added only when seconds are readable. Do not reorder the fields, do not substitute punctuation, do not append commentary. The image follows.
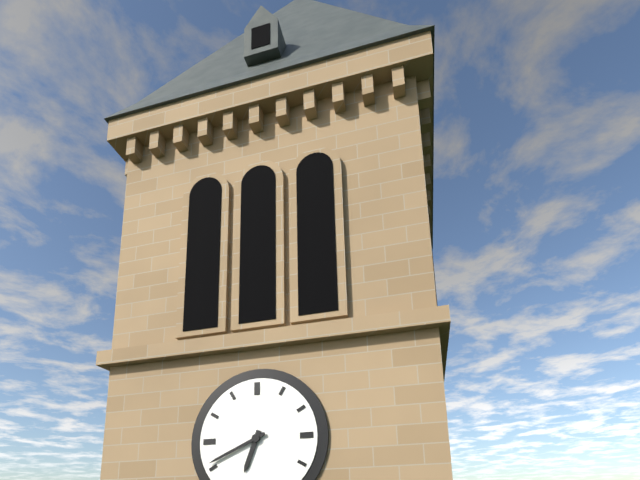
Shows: h=6 m=41
